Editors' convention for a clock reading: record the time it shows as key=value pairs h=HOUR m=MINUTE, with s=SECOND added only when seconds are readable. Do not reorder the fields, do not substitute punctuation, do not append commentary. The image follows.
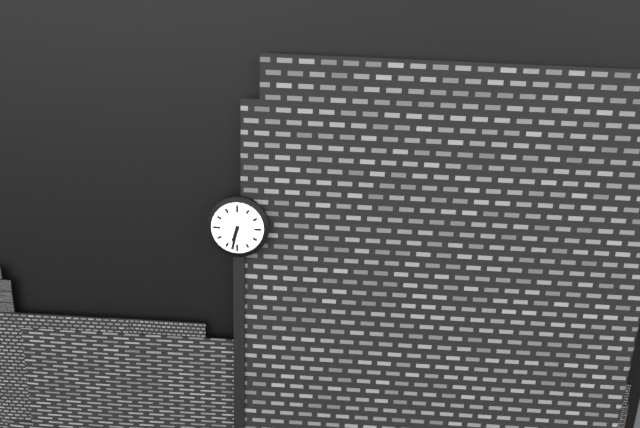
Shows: h=6 m=32
